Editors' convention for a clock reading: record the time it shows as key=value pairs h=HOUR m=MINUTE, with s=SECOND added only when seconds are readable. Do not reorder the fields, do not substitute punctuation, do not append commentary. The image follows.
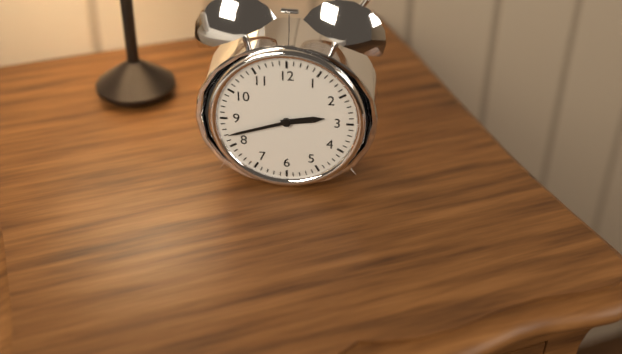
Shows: h=2 m=42
